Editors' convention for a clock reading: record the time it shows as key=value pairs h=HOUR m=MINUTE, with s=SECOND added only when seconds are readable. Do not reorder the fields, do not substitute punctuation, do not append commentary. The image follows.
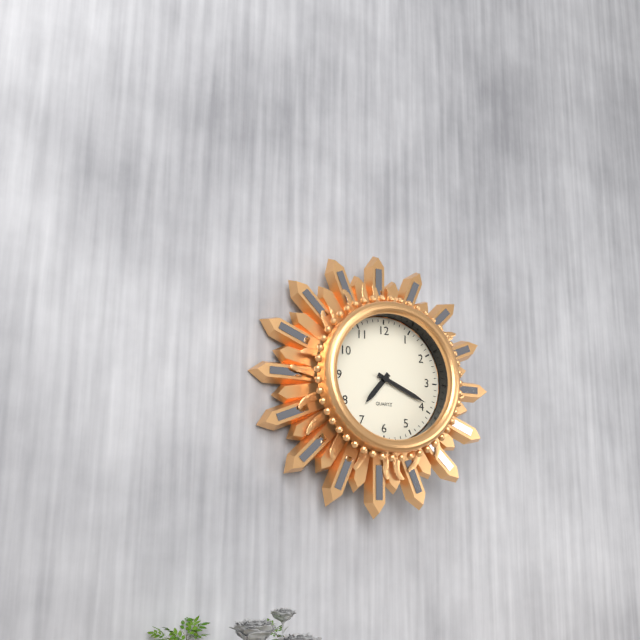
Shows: h=7 m=19
